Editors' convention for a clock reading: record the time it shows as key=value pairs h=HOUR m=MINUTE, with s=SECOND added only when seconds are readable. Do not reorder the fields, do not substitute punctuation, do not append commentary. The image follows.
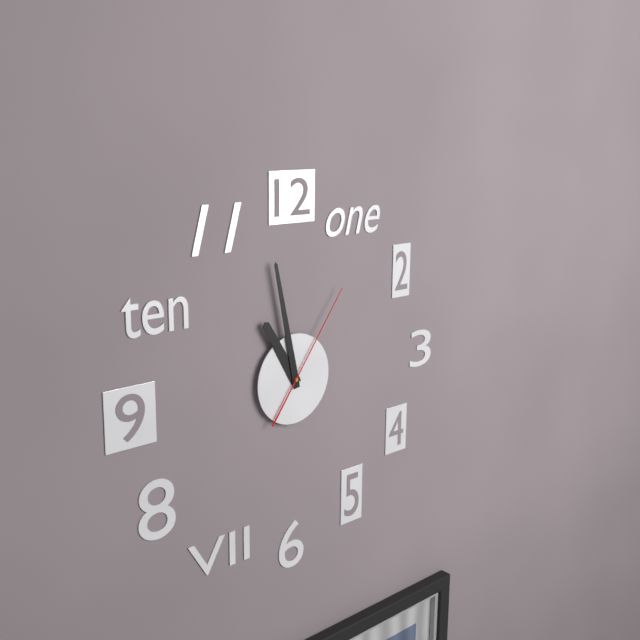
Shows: h=10 m=58 s=6
